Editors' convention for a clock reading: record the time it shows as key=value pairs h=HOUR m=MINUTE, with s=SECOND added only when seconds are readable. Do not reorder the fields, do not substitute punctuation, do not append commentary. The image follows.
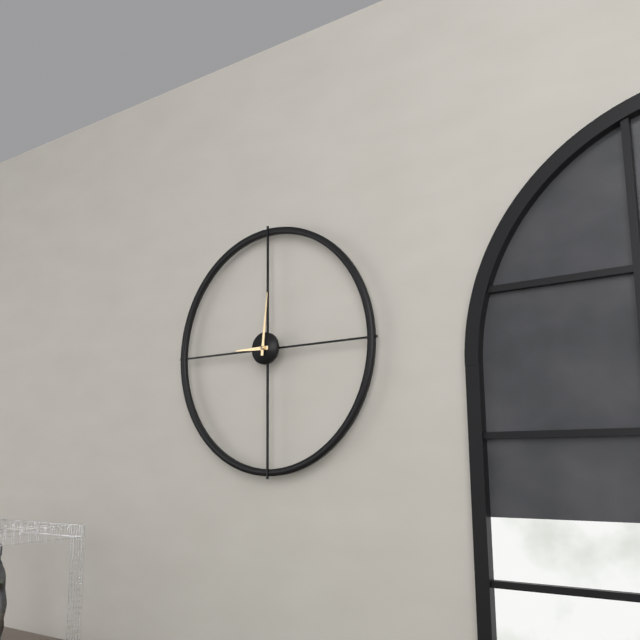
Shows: h=9 m=1
